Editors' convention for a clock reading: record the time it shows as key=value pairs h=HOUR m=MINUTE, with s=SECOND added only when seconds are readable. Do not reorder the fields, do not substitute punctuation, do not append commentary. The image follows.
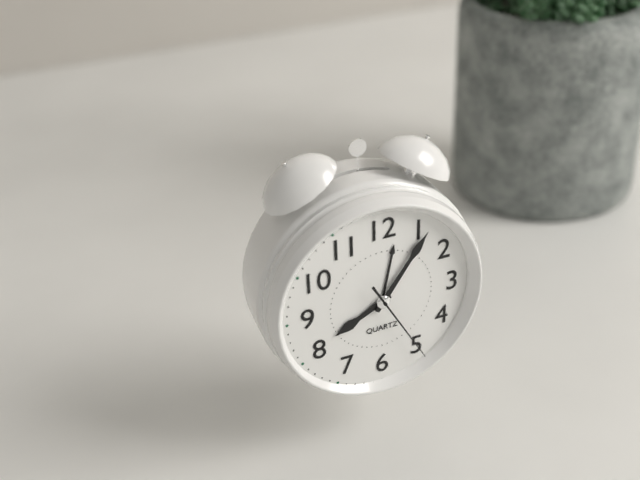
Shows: h=8 m=6 s=25
